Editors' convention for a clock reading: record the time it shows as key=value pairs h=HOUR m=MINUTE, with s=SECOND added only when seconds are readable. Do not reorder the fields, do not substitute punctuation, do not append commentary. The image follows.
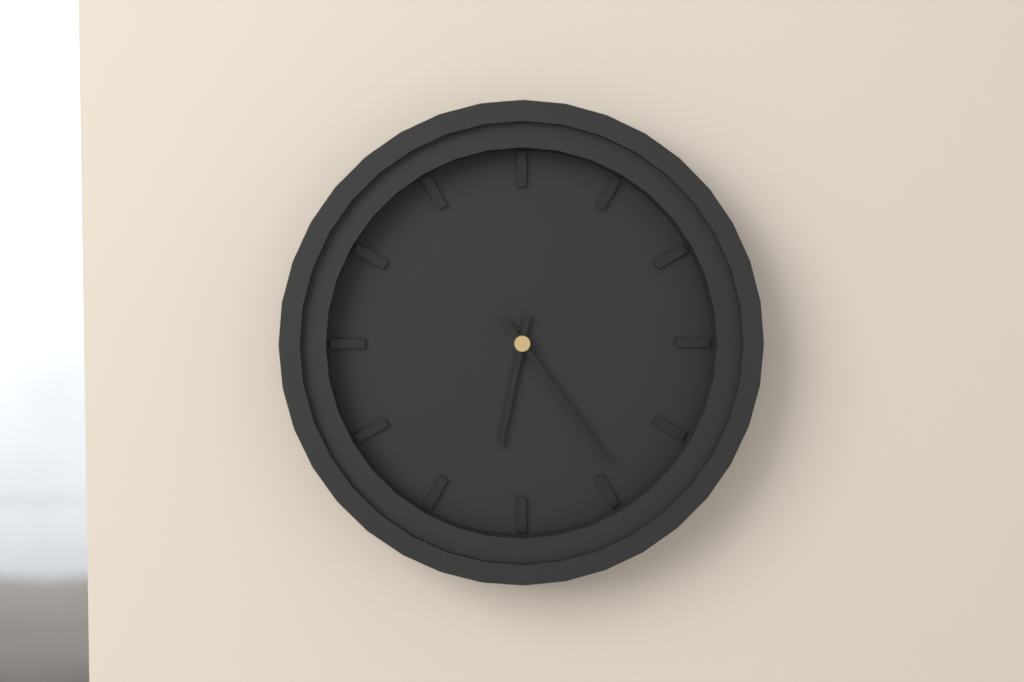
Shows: h=6 m=24
